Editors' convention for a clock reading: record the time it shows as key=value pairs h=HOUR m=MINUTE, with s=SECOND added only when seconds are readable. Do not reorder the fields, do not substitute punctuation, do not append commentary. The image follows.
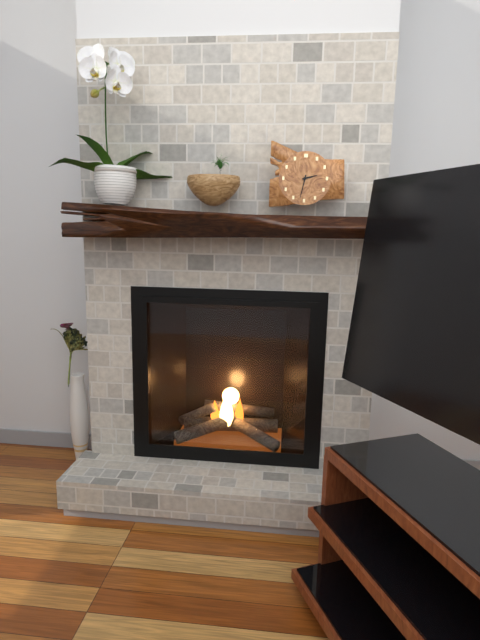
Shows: h=2 m=32
